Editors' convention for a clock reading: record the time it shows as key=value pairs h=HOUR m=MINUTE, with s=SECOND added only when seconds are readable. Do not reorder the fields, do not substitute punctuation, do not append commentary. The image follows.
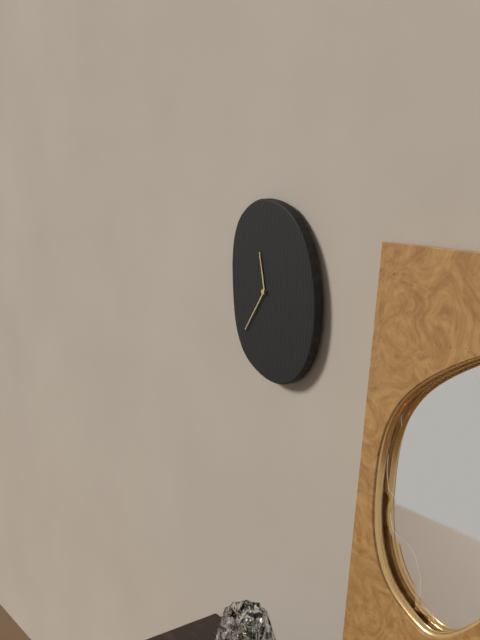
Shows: h=11 m=36
